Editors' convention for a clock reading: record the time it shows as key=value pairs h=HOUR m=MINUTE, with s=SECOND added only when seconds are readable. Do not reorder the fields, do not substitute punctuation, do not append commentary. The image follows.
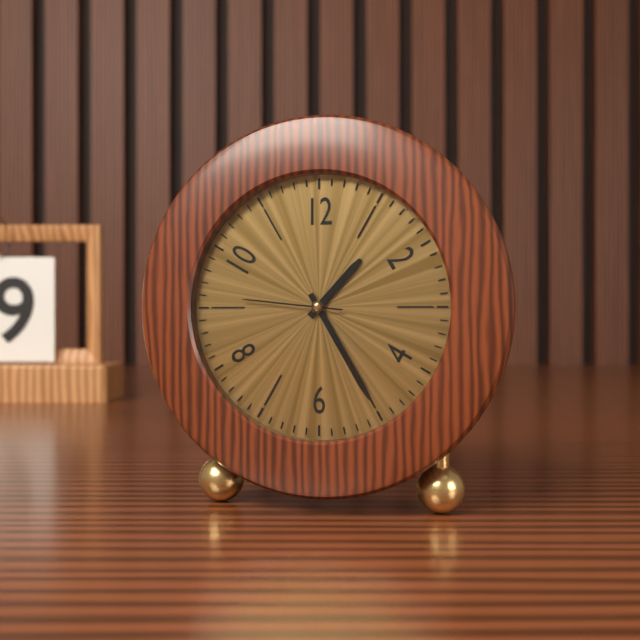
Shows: h=1 m=25 s=46
